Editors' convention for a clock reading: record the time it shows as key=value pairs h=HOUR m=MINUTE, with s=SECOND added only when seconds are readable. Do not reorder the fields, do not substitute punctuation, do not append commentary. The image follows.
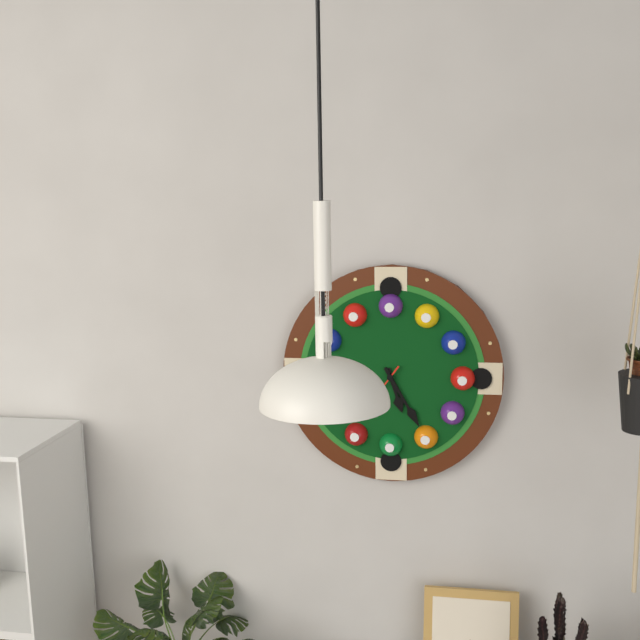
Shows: h=5 m=25
